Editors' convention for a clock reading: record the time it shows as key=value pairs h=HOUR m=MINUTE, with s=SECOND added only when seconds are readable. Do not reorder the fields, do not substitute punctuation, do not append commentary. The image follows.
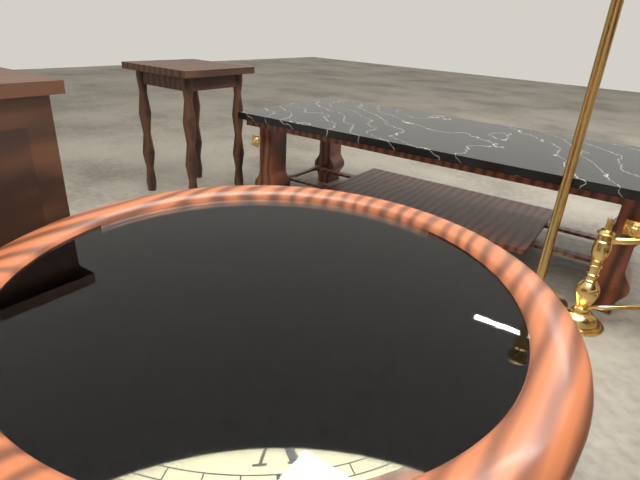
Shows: h=4 m=10 s=15
